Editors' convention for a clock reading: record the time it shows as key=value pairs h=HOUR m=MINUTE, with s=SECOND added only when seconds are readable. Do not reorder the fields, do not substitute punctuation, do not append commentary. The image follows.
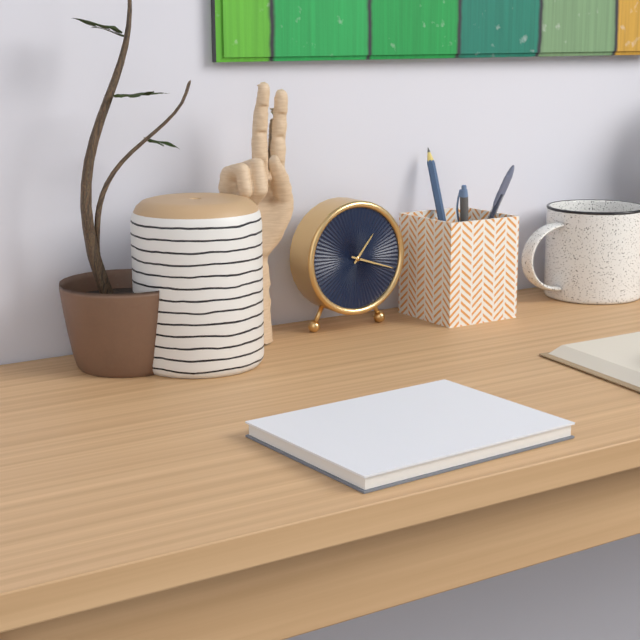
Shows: h=1 m=18
